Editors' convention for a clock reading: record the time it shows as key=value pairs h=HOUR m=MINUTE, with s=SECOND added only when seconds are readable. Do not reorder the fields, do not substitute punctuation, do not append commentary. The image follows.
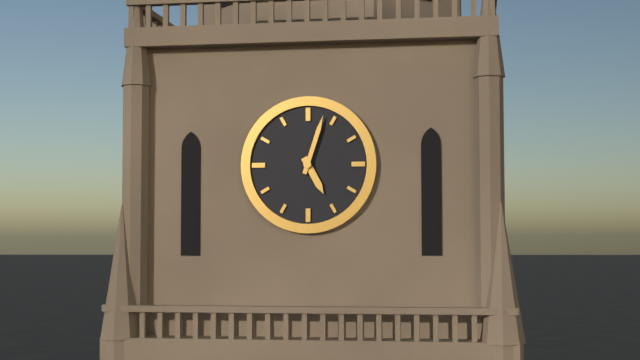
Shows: h=5 m=3
